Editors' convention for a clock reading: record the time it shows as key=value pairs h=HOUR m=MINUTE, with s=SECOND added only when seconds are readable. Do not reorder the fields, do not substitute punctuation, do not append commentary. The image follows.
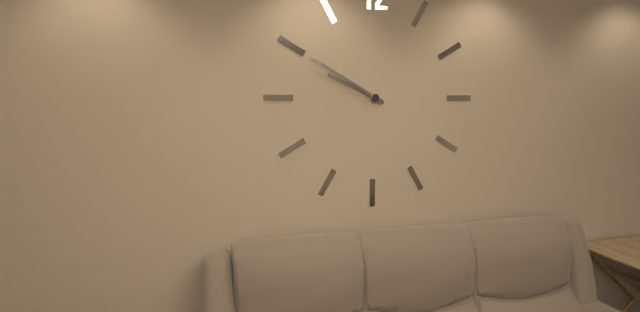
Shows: h=9 m=50
